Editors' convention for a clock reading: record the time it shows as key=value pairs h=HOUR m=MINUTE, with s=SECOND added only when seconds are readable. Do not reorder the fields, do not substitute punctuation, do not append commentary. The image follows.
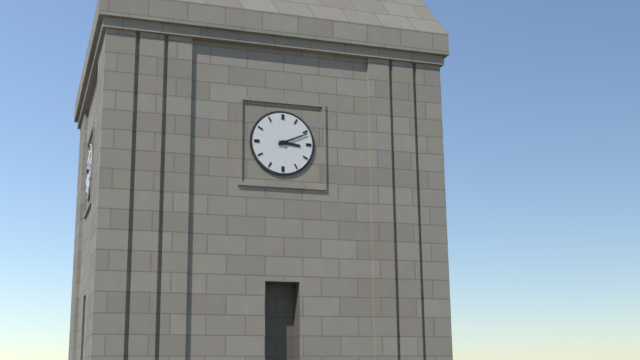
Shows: h=3 m=11
